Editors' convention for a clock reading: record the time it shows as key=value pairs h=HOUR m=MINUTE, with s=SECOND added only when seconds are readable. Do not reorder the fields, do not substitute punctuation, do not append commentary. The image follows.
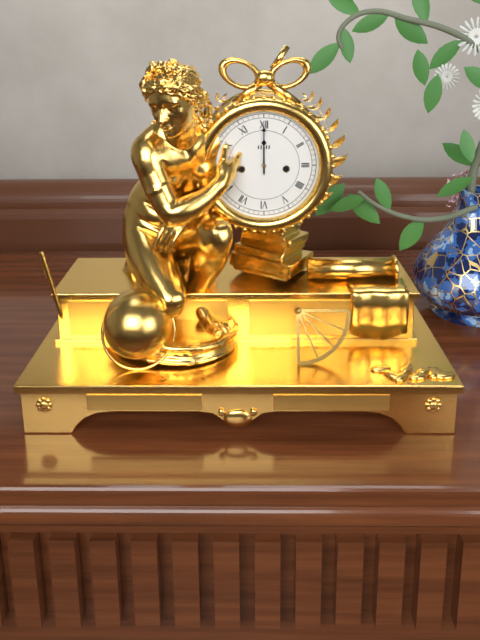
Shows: h=12 m=0
